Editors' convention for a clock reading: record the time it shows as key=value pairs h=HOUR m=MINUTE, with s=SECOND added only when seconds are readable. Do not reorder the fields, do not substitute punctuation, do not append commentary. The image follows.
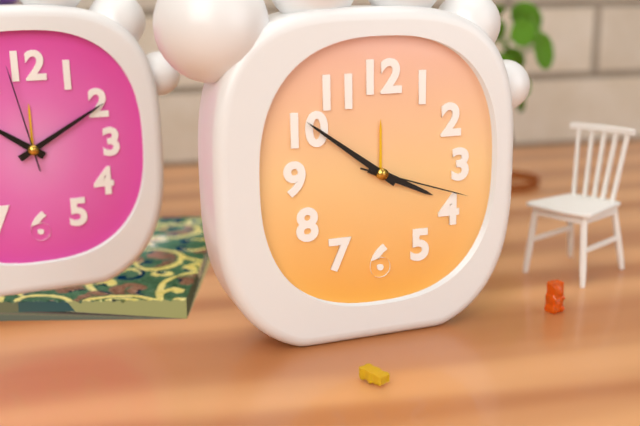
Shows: h=3 m=51 s=18
